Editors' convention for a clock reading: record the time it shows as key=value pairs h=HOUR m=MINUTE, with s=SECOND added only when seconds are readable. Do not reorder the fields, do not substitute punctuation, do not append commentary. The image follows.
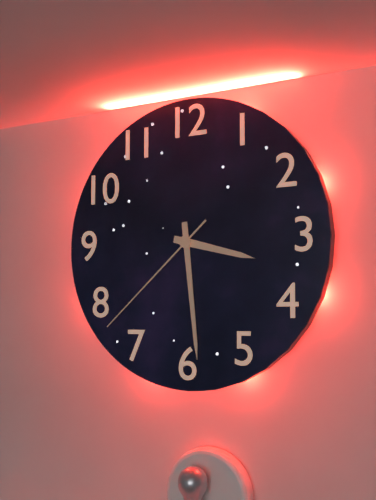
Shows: h=3 m=29 s=38
